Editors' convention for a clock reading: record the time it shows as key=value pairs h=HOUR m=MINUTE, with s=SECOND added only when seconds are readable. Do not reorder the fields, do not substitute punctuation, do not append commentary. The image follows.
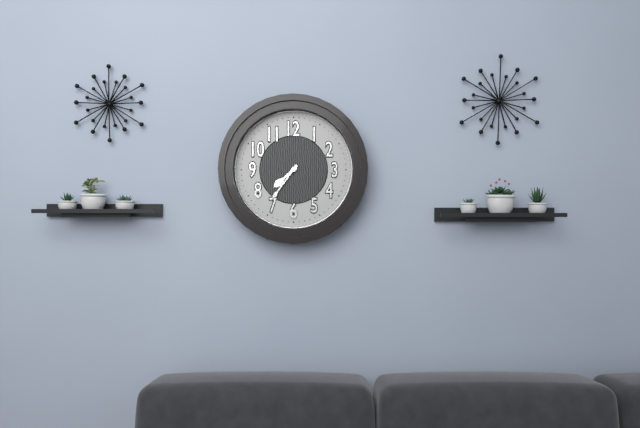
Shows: h=7 m=36
